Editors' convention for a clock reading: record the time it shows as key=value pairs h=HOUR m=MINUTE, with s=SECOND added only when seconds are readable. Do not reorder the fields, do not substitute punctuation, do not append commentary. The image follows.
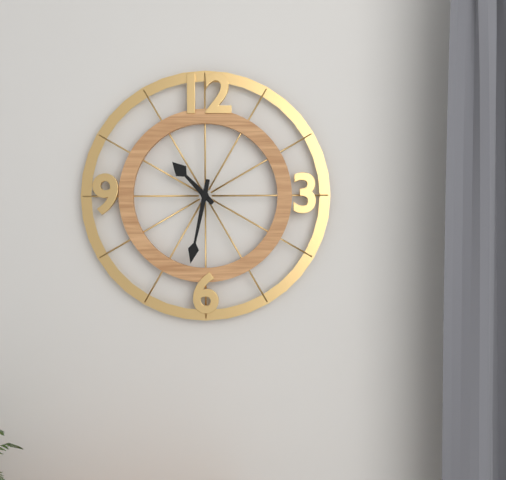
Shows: h=10 m=32
